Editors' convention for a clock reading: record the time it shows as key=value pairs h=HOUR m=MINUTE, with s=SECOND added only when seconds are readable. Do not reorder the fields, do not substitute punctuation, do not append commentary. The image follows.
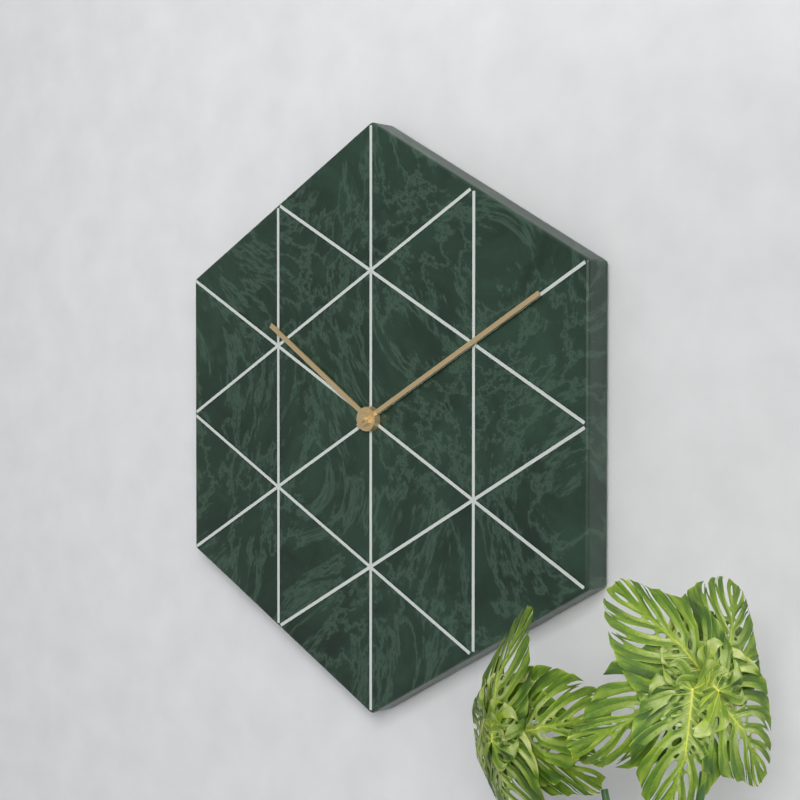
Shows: h=10 m=10
